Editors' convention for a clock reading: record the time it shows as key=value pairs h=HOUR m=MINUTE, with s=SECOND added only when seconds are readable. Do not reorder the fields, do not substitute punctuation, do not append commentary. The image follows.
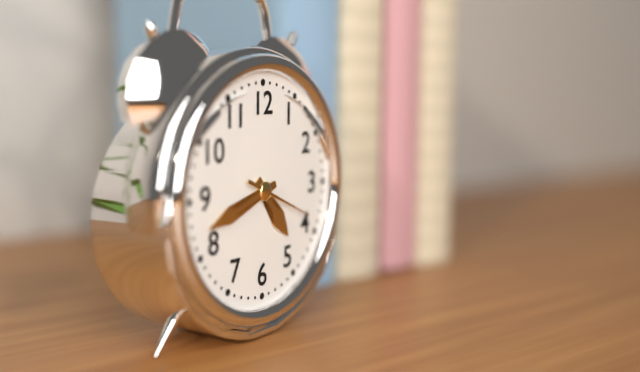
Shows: h=4 m=42 s=19
